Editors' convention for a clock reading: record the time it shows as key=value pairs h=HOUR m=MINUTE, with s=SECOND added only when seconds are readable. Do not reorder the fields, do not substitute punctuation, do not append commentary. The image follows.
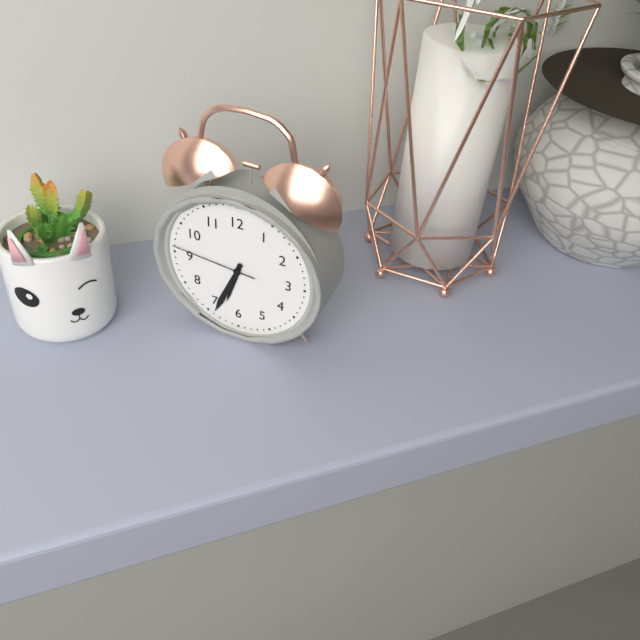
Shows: h=6 m=34 s=46
